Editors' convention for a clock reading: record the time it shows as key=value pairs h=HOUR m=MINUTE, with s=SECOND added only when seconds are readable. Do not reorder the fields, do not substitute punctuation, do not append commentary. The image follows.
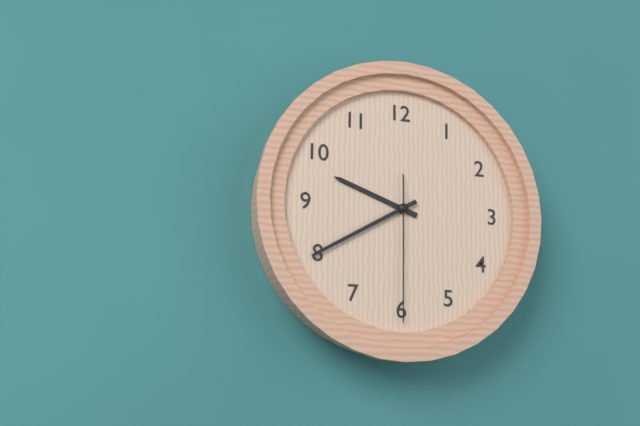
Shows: h=9 m=40 s=30
